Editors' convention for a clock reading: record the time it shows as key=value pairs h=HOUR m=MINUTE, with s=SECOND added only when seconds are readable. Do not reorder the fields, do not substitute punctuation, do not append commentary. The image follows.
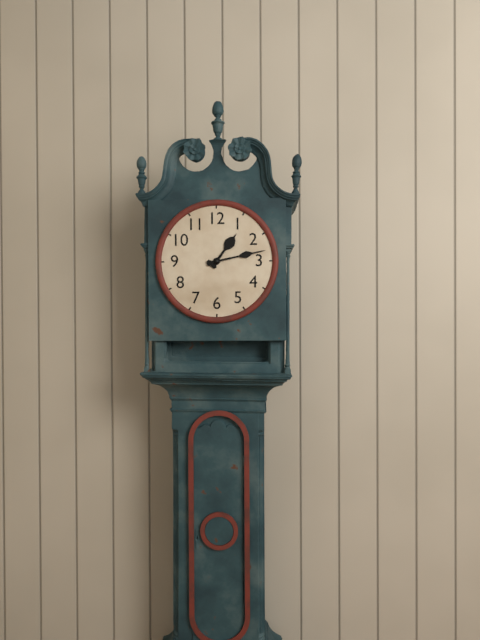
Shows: h=1 m=13
